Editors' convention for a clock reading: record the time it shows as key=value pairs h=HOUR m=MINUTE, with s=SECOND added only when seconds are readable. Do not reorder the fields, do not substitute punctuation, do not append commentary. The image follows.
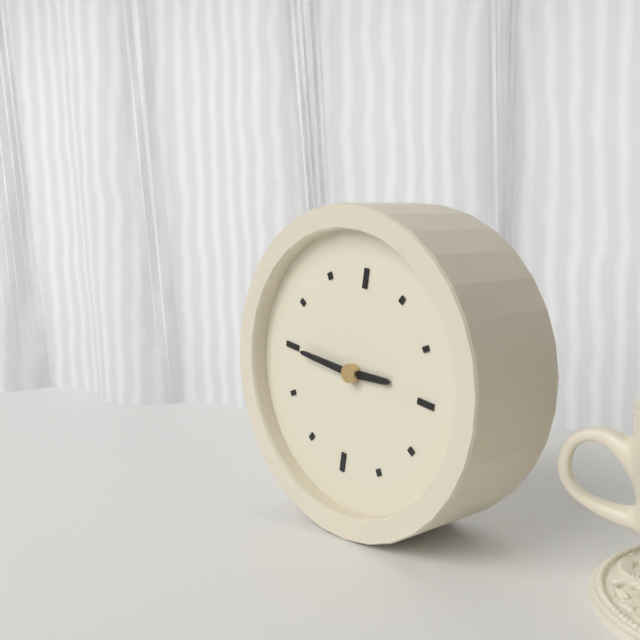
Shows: h=2 m=45
